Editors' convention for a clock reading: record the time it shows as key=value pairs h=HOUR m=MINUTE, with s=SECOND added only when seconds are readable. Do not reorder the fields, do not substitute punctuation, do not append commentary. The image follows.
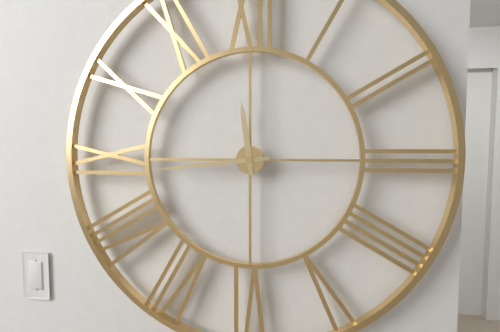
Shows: h=11 m=44
